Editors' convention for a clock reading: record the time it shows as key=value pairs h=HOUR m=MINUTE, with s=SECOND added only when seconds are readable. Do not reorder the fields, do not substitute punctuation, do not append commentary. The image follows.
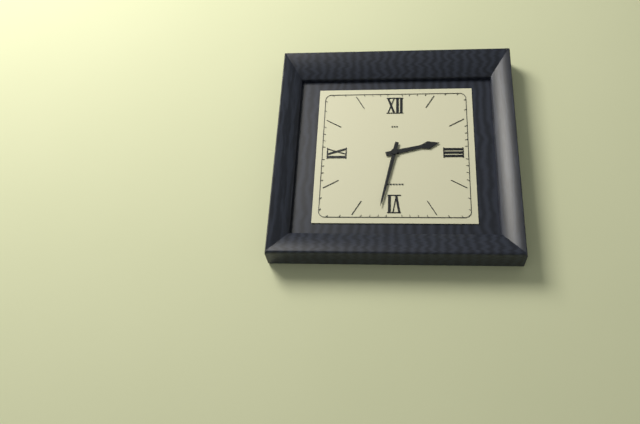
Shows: h=2 m=32
